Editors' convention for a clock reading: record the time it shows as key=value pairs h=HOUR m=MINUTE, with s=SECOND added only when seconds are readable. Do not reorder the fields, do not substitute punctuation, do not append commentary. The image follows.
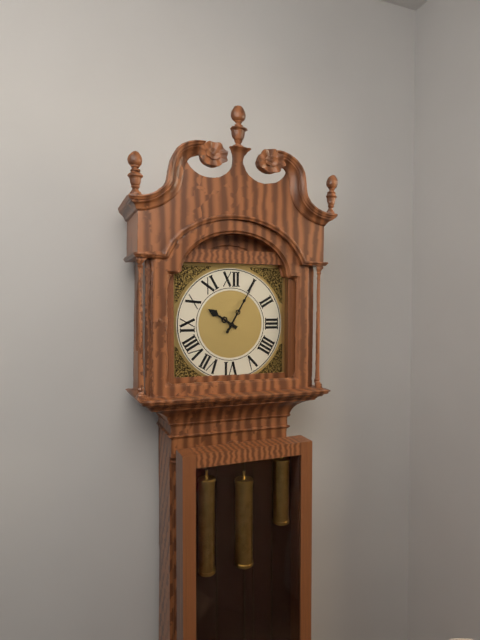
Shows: h=10 m=5
